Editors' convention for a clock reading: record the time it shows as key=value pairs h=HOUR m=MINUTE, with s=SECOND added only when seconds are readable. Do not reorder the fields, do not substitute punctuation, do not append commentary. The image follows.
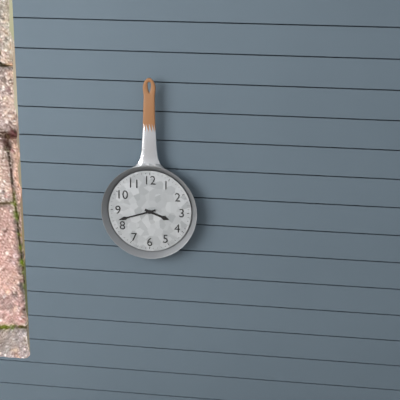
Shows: h=3 m=42
